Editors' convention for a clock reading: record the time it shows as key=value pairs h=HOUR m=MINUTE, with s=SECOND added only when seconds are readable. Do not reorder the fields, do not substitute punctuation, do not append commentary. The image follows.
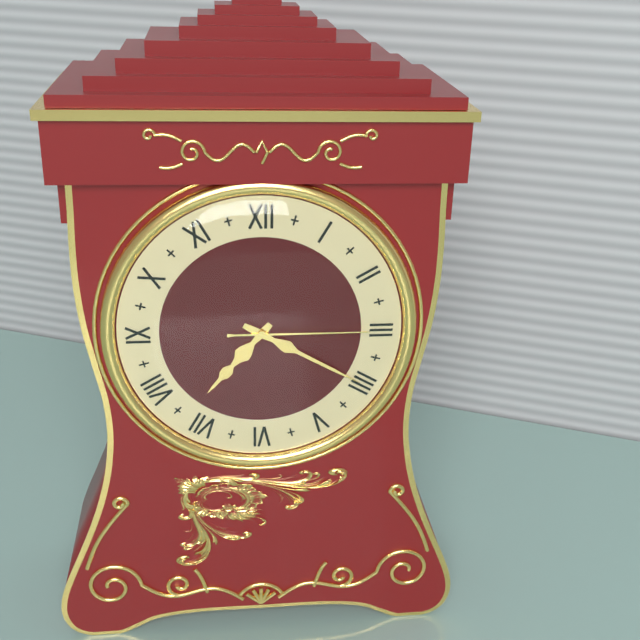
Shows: h=7 m=20 s=15
